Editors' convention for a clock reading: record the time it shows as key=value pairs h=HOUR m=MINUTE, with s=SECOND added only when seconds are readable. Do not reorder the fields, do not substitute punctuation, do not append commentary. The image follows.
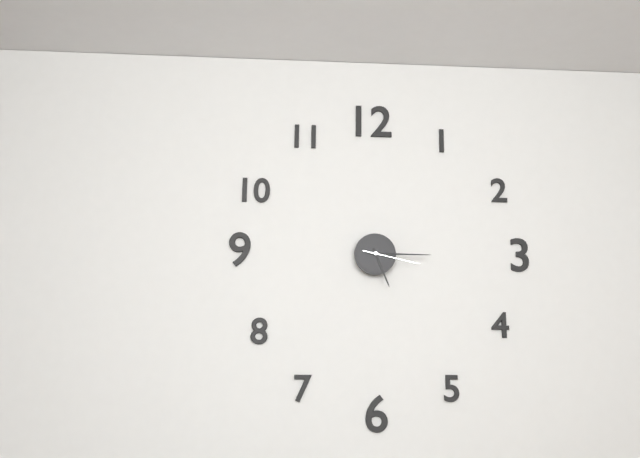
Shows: h=5 m=15 s=17
